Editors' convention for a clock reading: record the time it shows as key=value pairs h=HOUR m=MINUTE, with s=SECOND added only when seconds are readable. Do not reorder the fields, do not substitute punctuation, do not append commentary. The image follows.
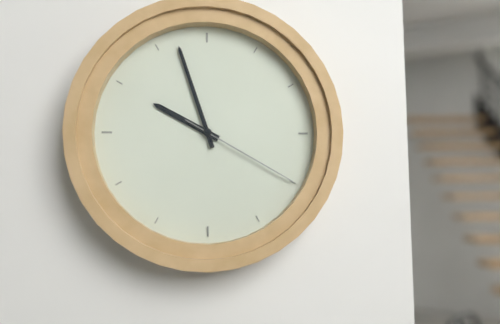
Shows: h=9 m=57 s=20
